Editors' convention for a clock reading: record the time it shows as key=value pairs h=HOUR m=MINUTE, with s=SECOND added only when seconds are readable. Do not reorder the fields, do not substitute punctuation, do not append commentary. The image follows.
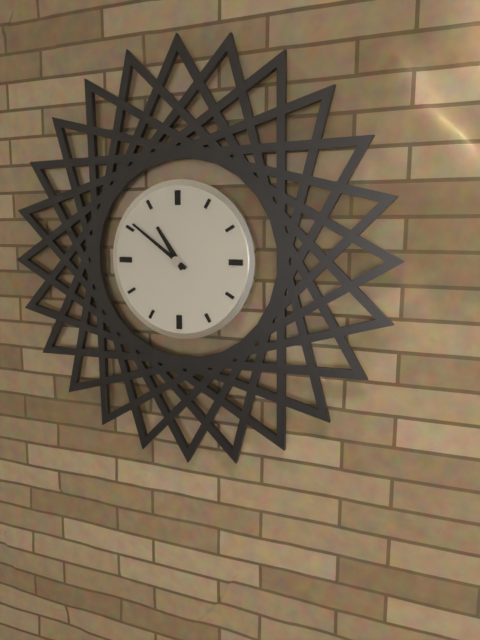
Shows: h=10 m=51
